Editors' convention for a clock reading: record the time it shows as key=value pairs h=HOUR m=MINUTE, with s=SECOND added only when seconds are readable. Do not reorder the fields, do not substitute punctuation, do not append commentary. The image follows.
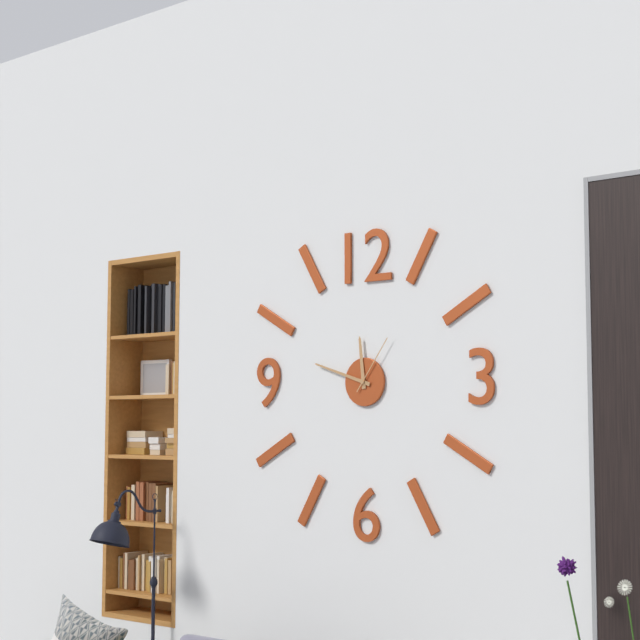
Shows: h=11 m=48 s=6
